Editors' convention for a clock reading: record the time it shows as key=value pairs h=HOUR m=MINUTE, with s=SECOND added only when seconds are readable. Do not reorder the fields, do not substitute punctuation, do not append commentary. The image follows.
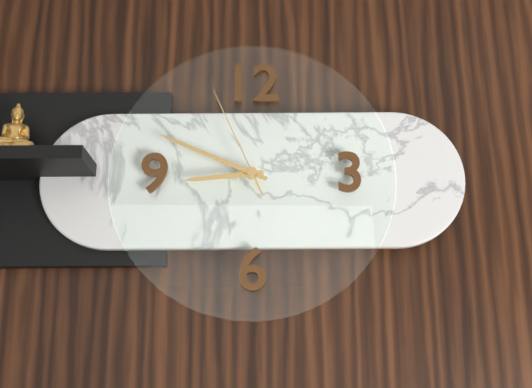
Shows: h=8 m=49 s=56
